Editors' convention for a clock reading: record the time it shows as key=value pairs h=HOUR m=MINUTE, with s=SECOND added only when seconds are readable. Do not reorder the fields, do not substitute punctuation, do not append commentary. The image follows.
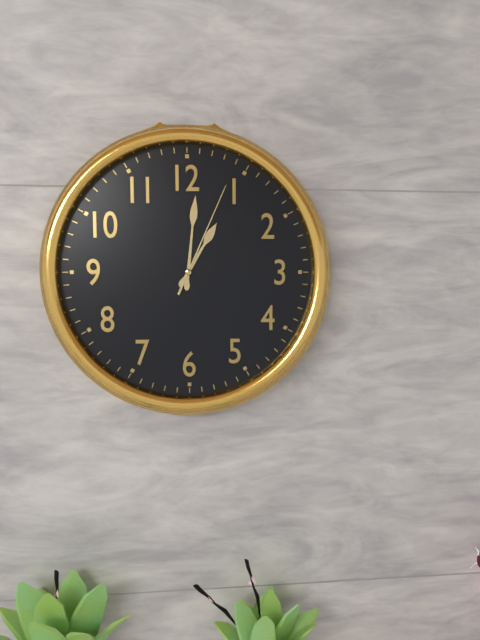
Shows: h=1 m=1 s=4
